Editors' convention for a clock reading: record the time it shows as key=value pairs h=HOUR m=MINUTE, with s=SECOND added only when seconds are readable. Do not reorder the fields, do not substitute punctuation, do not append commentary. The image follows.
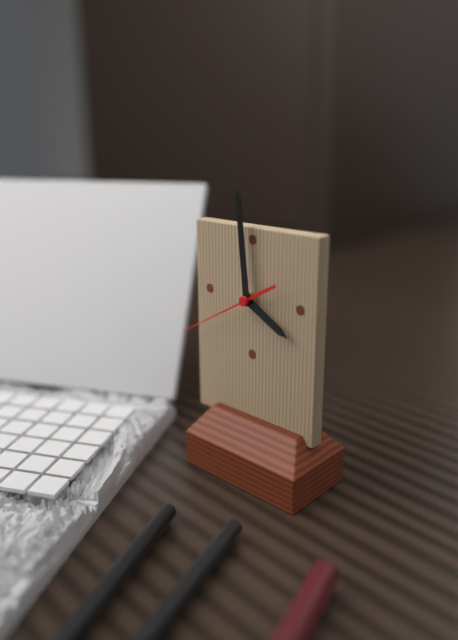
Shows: h=3 m=59 s=40
